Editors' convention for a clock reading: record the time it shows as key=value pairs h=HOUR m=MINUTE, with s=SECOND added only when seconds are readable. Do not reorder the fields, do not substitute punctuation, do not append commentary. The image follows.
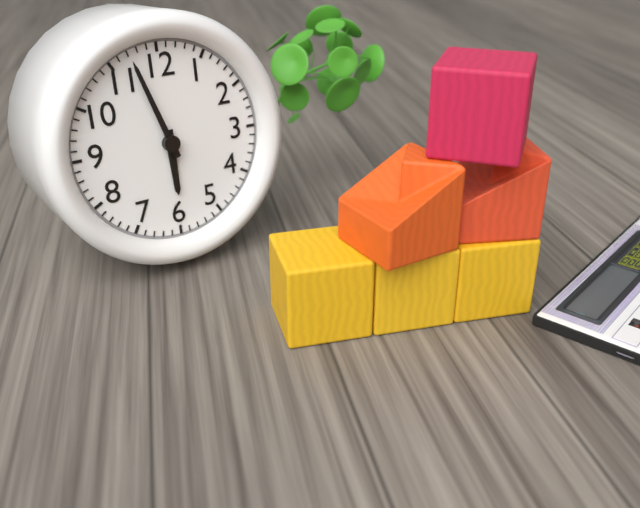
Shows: h=5 m=57
